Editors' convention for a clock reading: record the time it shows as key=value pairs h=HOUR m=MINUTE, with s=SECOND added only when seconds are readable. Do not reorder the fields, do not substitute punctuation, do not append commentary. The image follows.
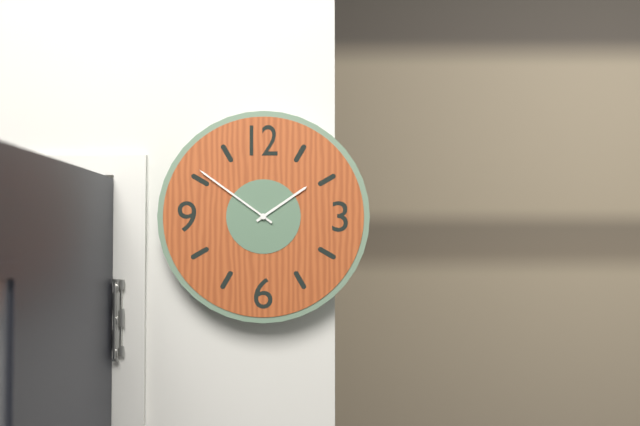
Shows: h=1 m=51
